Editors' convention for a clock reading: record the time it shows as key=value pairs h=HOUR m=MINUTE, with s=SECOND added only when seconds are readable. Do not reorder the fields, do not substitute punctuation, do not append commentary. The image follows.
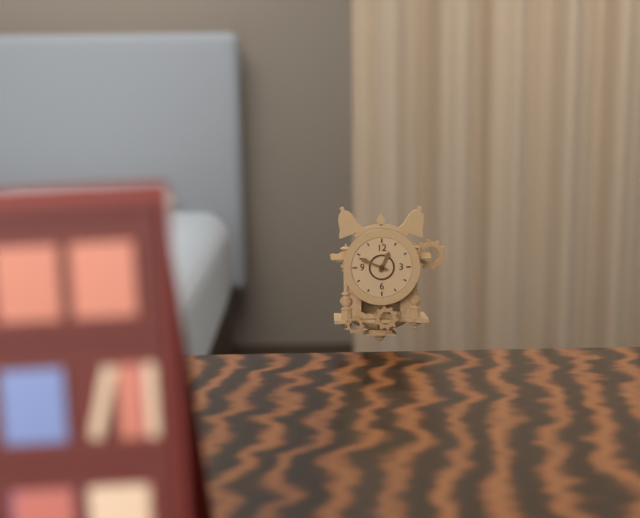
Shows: h=12 m=49
